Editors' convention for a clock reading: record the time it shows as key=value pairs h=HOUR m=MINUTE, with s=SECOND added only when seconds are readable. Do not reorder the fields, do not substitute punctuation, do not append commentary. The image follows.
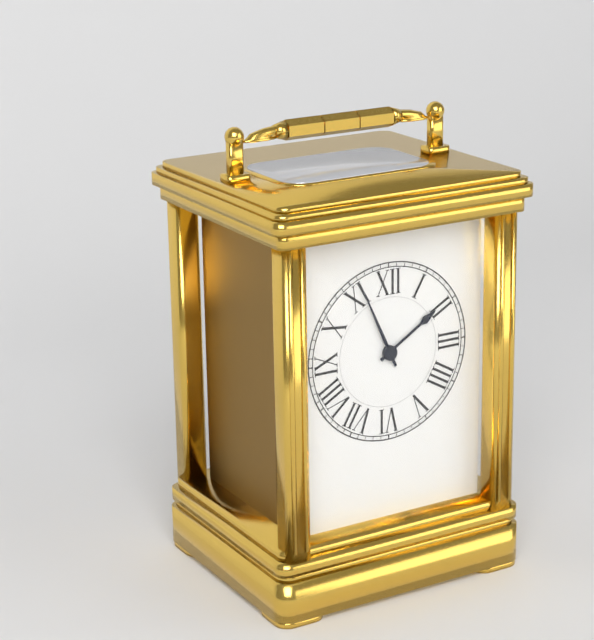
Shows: h=1 m=56
